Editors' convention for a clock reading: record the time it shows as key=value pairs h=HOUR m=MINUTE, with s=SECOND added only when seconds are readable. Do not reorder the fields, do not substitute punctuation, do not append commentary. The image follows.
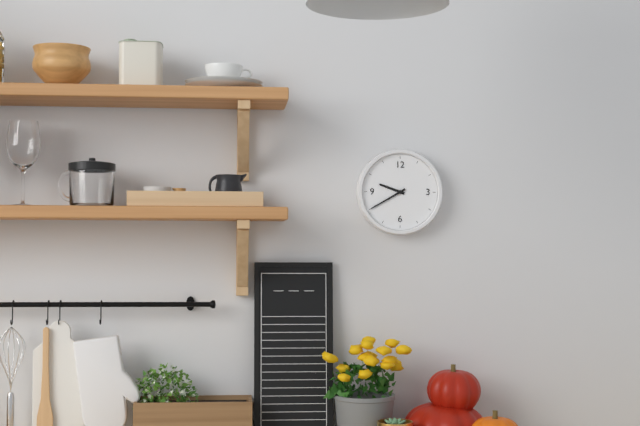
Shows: h=9 m=40
